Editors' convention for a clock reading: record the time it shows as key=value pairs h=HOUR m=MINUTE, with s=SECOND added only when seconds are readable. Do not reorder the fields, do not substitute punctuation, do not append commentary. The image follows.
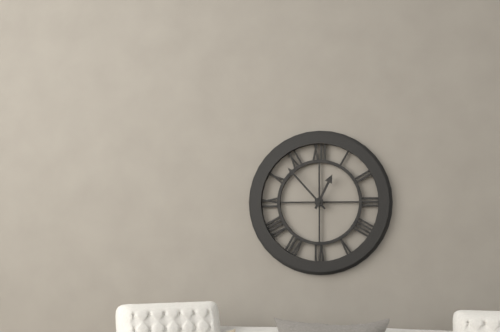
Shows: h=12 m=53
